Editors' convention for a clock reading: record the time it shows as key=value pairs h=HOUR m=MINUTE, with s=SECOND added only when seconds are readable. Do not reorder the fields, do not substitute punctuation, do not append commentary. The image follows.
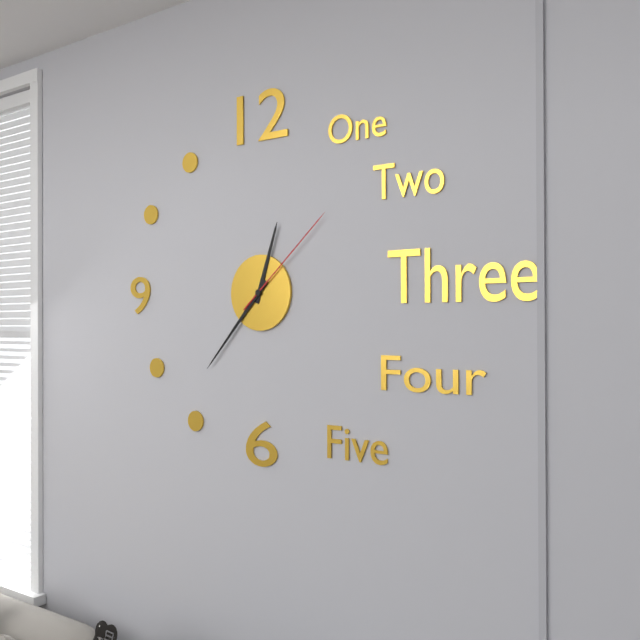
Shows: h=12 m=37 s=8
